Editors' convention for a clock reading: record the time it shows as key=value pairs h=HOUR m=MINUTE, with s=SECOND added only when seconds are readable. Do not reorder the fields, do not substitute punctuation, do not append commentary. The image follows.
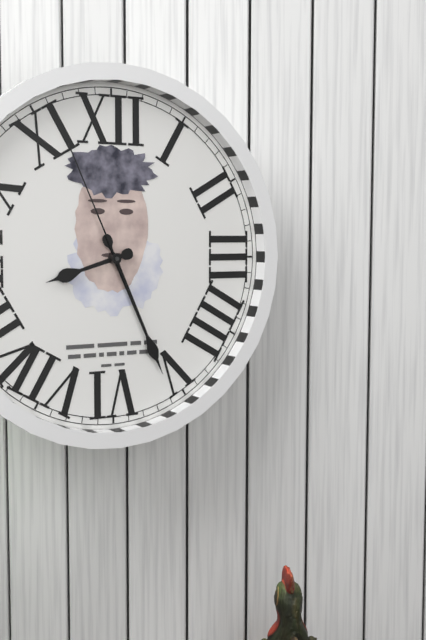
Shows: h=8 m=26 s=56
